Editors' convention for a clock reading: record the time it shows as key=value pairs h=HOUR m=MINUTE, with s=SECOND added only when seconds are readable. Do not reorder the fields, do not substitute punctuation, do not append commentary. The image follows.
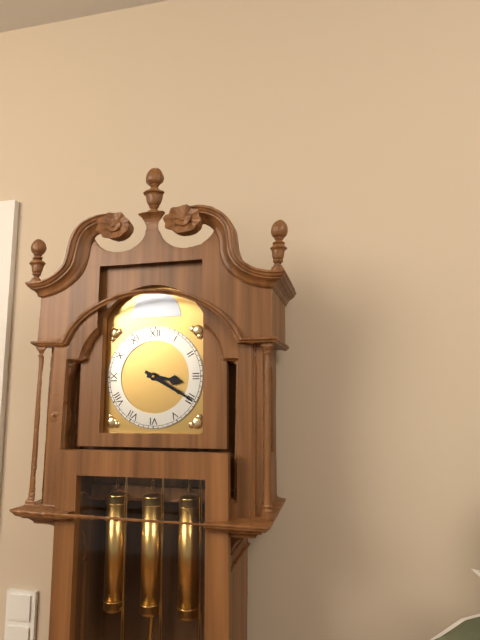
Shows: h=3 m=20
